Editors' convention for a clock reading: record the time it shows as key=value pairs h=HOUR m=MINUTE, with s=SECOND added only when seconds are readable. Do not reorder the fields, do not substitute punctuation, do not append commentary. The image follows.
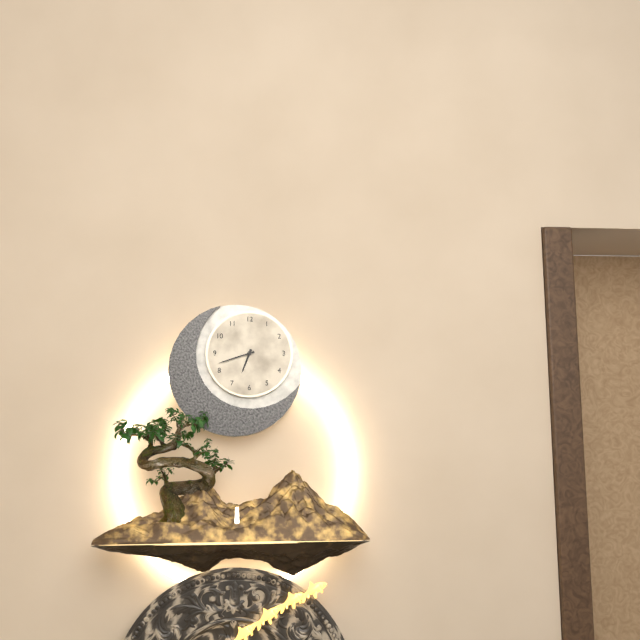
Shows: h=6 m=42
